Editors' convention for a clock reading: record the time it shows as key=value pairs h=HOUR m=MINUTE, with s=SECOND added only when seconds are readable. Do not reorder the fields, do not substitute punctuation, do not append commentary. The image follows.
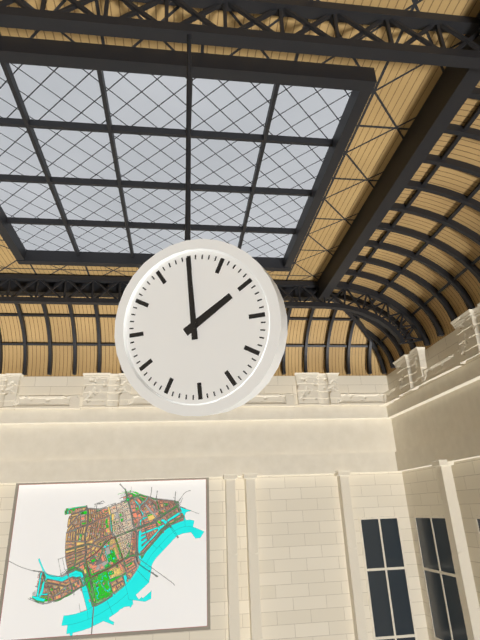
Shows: h=2 m=0
